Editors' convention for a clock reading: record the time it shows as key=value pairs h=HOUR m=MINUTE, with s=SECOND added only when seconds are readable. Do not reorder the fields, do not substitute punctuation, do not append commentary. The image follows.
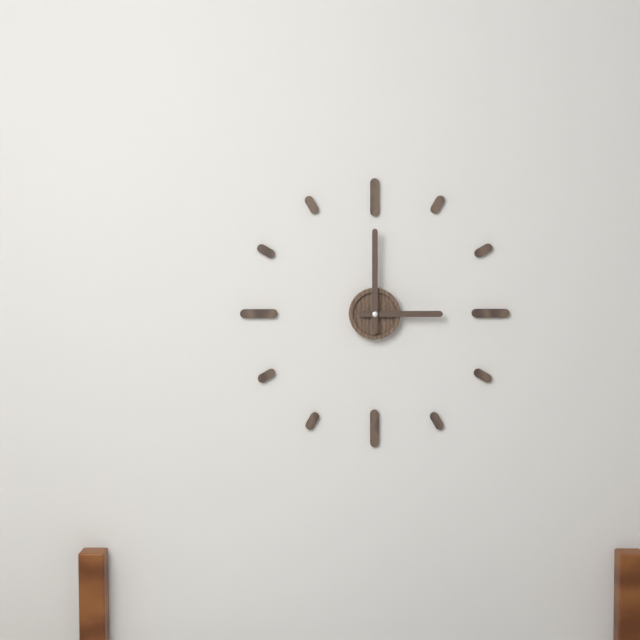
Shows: h=3 m=0
